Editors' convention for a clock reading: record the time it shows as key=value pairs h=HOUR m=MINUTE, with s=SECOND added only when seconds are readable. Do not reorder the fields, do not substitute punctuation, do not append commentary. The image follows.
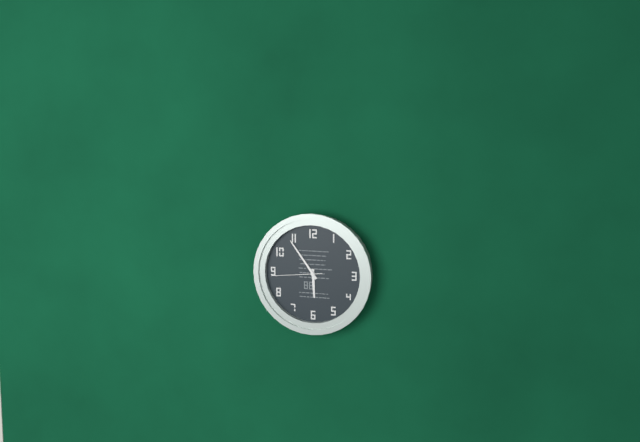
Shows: h=5 m=54 s=44
